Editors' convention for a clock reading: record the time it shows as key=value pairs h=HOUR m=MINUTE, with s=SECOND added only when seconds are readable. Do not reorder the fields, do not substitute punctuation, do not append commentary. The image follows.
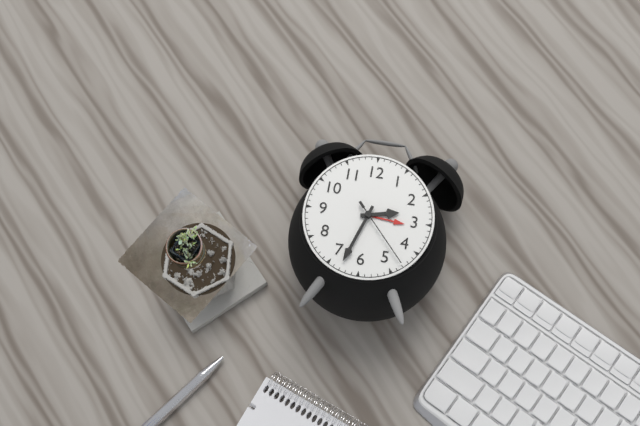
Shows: h=2 m=33 s=23
